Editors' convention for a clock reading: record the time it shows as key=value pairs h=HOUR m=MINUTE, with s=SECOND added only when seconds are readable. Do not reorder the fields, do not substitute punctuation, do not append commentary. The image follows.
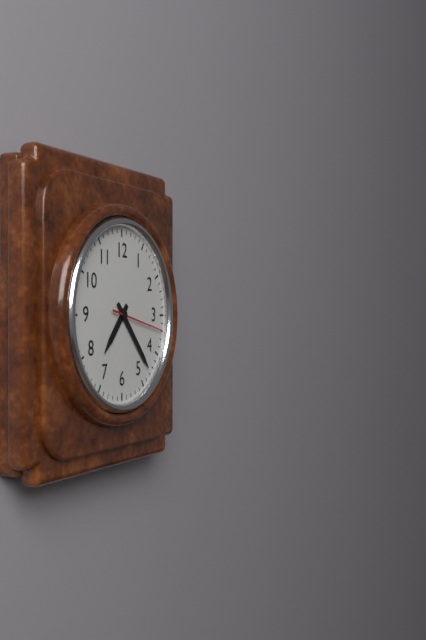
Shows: h=7 m=23 s=17
